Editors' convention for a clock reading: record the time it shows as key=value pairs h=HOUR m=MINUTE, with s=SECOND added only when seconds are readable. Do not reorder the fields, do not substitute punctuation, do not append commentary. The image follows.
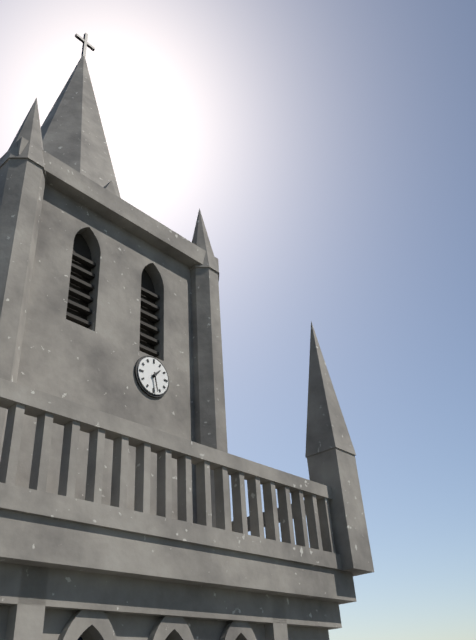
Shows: h=1 m=28
